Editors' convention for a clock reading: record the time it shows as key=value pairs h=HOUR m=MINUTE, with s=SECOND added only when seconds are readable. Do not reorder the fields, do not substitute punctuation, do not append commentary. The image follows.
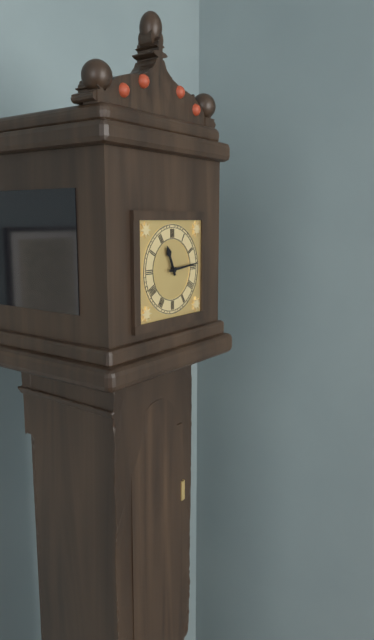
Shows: h=11 m=14
